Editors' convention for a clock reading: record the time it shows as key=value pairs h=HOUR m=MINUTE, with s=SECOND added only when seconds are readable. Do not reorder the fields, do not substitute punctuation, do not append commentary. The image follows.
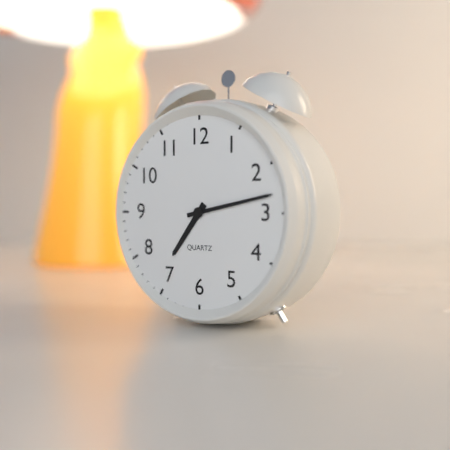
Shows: h=7 m=13
